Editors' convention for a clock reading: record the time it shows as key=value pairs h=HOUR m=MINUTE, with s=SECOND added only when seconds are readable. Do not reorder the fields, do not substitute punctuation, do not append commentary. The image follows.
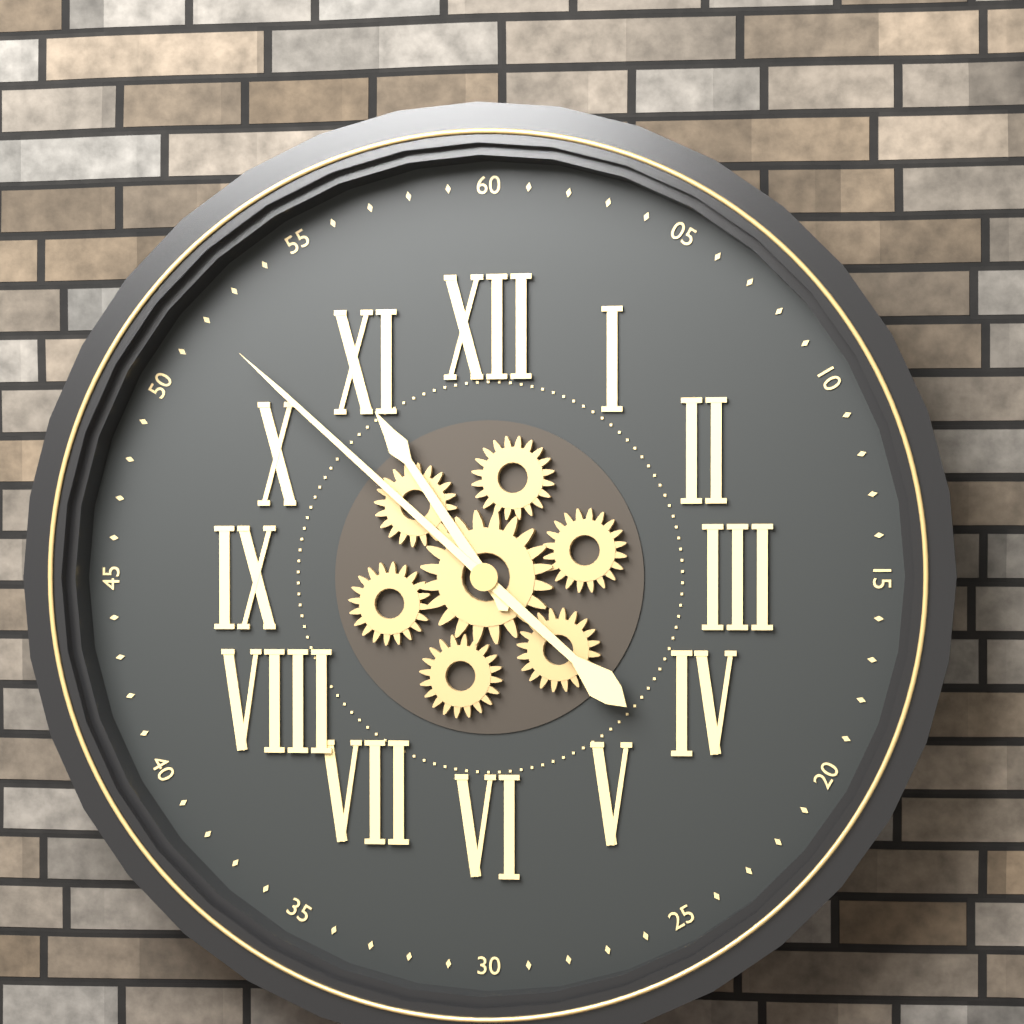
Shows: h=10 m=52
